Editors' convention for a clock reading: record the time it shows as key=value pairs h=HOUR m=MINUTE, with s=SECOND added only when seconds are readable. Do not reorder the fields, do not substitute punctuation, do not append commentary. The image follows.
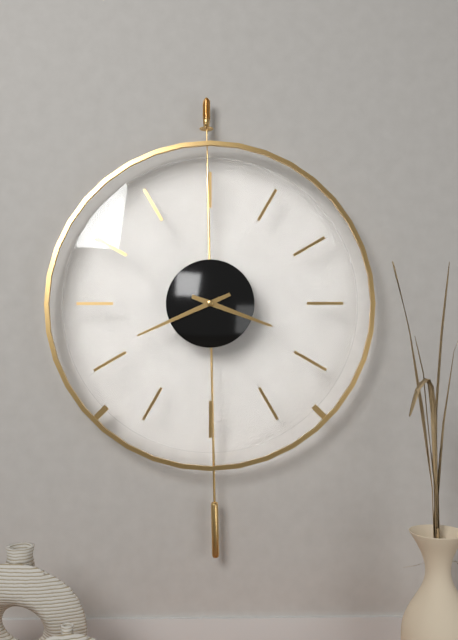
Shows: h=3 m=41
